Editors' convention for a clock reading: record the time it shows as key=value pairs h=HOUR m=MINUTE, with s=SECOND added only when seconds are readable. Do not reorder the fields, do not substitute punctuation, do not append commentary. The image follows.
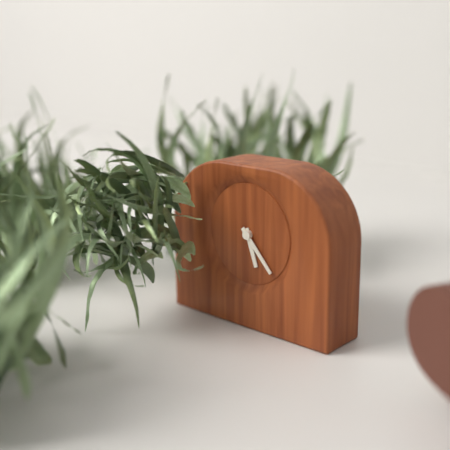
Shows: h=5 m=23
